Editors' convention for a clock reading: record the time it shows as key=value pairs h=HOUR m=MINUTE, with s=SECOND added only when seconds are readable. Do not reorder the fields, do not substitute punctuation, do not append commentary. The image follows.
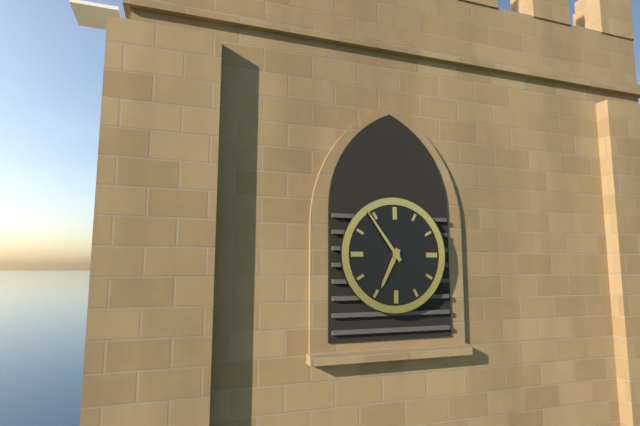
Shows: h=6 m=54
